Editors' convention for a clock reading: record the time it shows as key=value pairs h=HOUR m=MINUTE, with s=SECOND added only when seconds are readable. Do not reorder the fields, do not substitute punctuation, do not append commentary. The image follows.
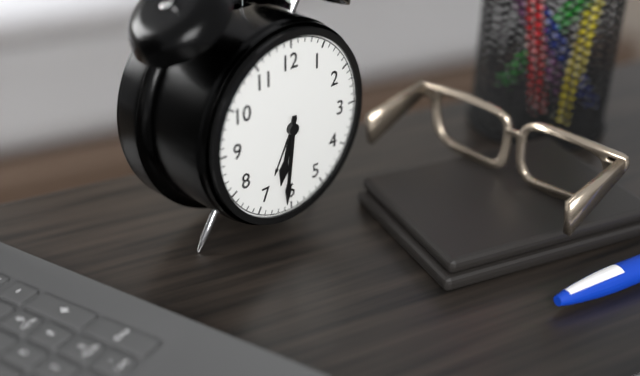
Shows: h=6 m=31
